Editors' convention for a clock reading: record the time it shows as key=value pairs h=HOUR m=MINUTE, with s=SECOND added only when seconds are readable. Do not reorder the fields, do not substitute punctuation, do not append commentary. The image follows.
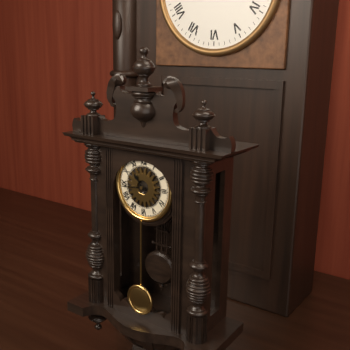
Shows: h=10 m=44
